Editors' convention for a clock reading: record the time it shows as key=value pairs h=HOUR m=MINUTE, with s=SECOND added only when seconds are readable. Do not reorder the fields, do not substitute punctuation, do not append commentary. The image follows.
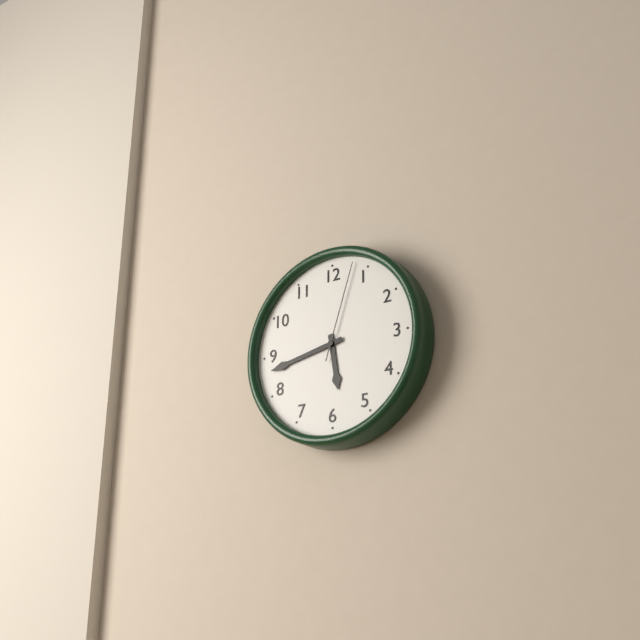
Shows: h=5 m=43 s=3
